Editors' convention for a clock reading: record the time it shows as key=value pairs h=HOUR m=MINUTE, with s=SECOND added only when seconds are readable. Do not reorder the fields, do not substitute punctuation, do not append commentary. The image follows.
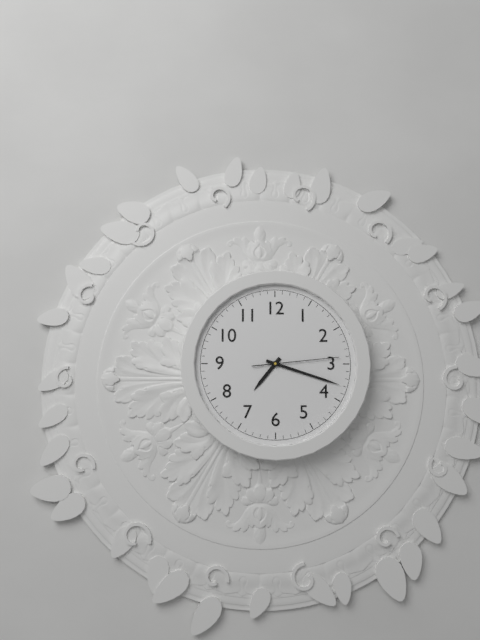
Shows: h=7 m=18 s=14
